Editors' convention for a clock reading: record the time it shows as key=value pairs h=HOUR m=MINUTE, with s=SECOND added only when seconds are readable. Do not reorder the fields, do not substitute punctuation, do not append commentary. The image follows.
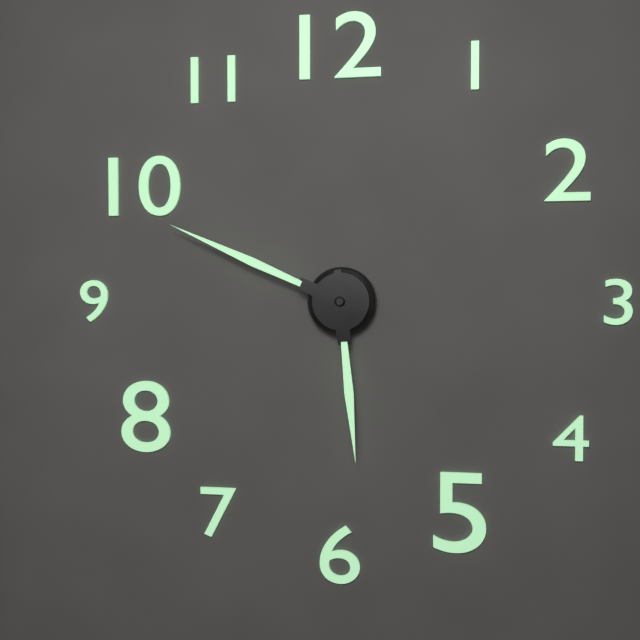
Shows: h=5 m=49
